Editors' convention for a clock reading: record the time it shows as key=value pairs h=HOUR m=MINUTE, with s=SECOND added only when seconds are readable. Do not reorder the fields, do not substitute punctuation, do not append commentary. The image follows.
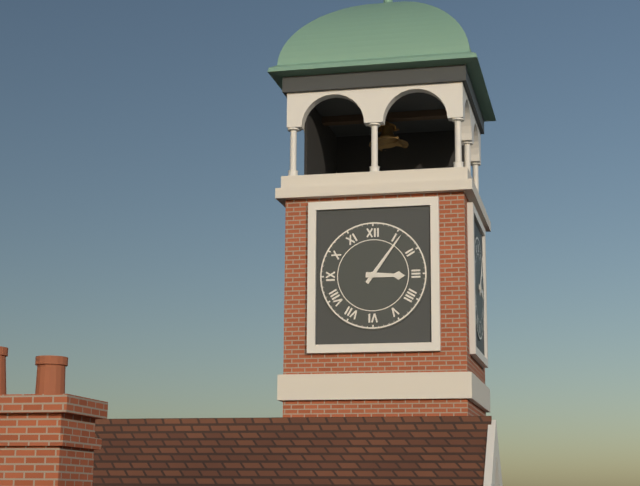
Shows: h=3 m=6
